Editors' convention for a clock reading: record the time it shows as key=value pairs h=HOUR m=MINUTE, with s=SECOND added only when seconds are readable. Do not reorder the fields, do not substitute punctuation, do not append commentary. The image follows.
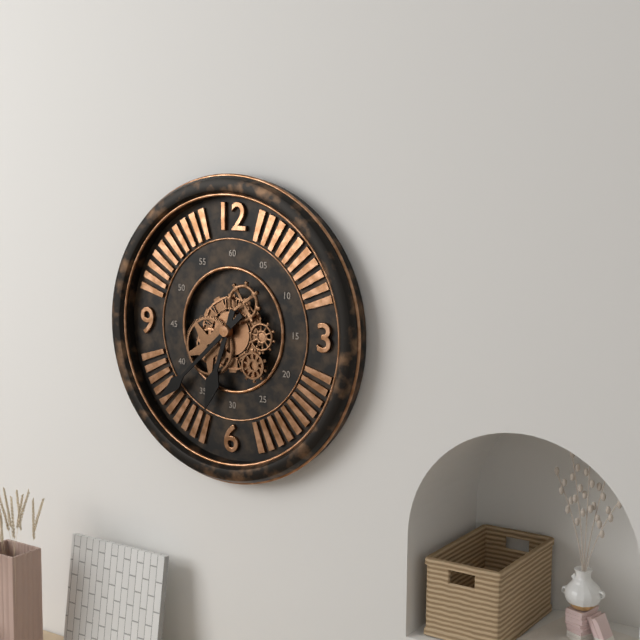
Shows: h=6 m=38
